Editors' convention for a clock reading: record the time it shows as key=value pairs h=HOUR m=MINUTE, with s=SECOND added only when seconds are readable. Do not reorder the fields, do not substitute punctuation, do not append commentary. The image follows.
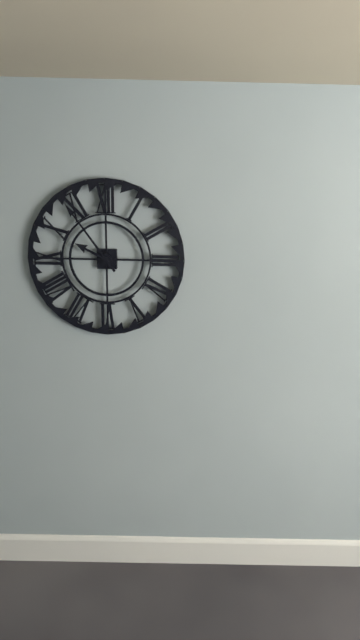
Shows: h=9 m=54
